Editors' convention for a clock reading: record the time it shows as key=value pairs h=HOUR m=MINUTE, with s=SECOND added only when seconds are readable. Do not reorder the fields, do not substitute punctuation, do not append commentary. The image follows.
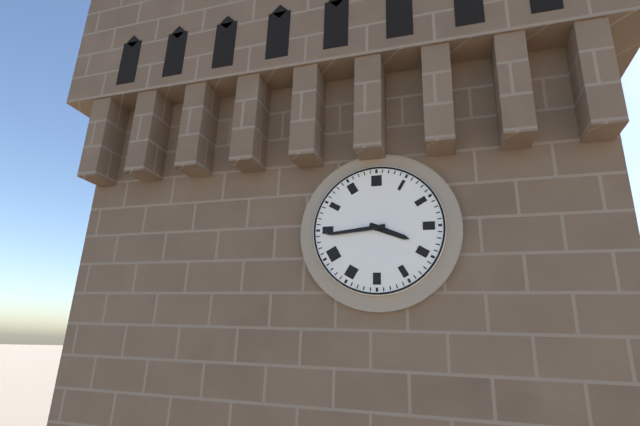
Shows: h=3 m=44
